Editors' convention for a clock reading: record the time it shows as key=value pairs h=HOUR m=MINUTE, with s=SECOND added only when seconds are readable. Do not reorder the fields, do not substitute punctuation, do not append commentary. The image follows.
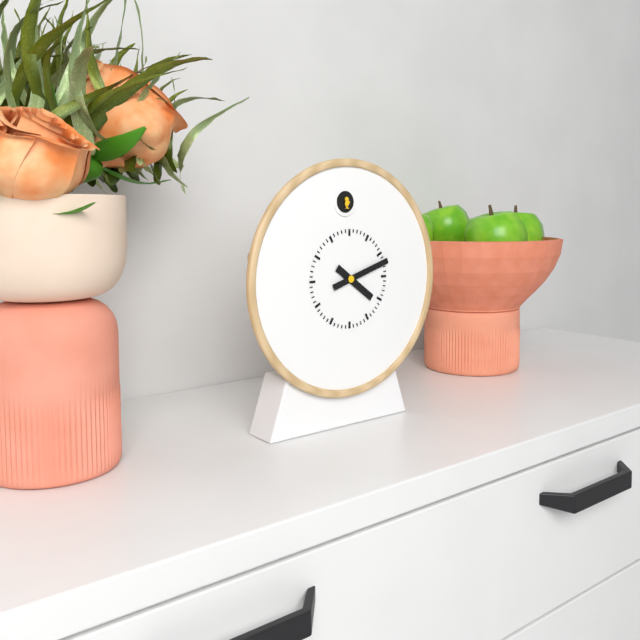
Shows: h=4 m=12
